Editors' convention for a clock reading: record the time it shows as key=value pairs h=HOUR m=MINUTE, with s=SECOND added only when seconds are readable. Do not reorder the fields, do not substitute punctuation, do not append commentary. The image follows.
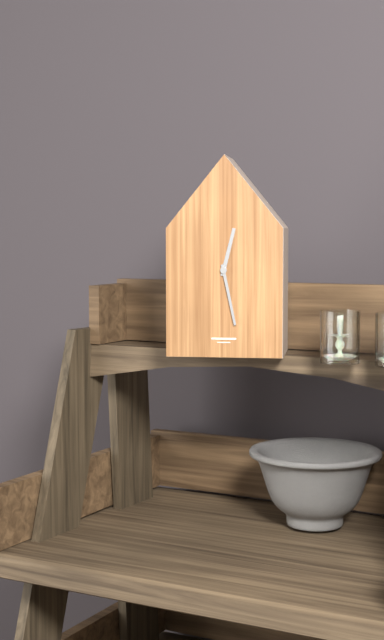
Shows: h=12 m=28
